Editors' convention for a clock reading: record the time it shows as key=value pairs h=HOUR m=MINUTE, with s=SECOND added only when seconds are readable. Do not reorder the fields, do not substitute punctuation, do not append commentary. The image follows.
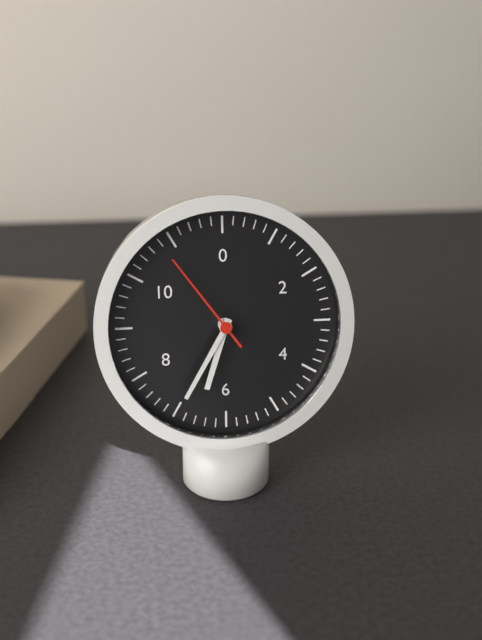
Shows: h=6 m=35 s=54
